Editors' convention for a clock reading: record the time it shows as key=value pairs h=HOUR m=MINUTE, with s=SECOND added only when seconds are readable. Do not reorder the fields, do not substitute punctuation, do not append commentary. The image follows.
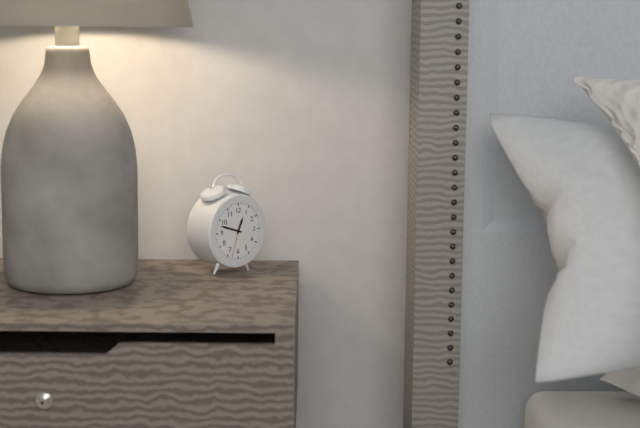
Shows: h=12 m=48
